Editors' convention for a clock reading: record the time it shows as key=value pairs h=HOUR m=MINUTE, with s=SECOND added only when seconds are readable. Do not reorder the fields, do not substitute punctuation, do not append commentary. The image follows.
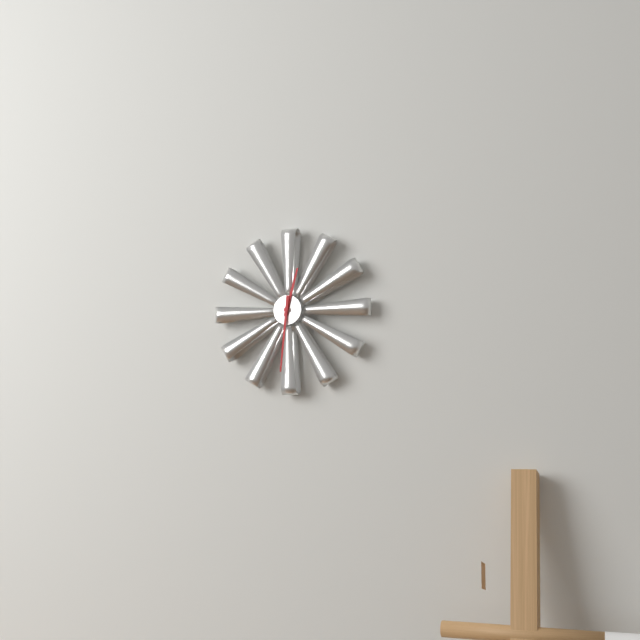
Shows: h=12 m=31
